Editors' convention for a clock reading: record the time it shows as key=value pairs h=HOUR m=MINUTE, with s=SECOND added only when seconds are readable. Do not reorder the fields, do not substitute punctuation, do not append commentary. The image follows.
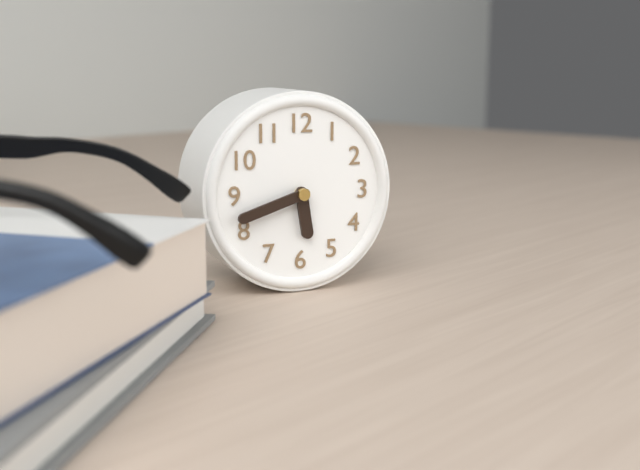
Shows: h=5 m=42
